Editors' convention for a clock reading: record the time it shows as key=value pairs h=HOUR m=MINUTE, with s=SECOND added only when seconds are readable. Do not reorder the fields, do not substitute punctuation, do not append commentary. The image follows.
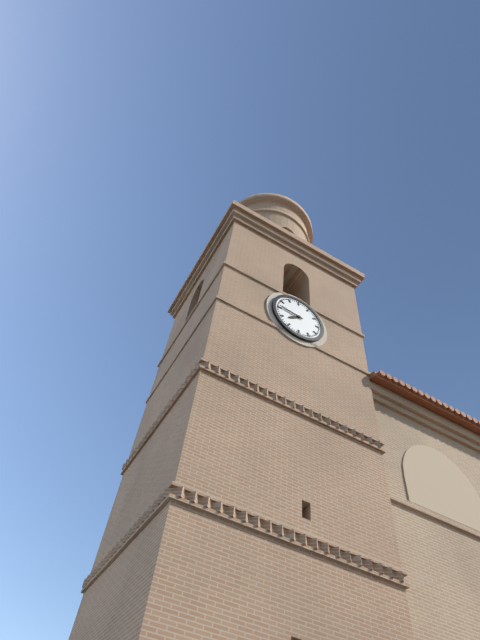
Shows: h=7 m=46
